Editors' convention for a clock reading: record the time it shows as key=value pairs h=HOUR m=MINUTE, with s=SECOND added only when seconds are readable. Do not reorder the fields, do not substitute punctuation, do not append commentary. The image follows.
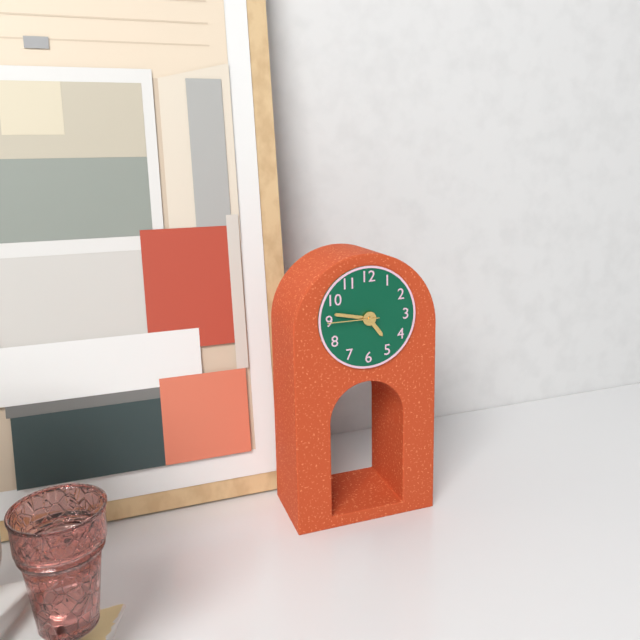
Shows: h=4 m=47 s=45
